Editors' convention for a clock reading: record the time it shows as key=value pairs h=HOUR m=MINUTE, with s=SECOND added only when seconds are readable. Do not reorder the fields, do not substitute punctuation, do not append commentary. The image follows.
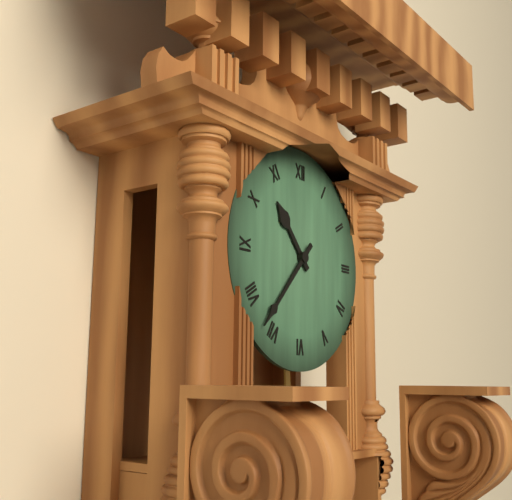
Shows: h=10 m=37
